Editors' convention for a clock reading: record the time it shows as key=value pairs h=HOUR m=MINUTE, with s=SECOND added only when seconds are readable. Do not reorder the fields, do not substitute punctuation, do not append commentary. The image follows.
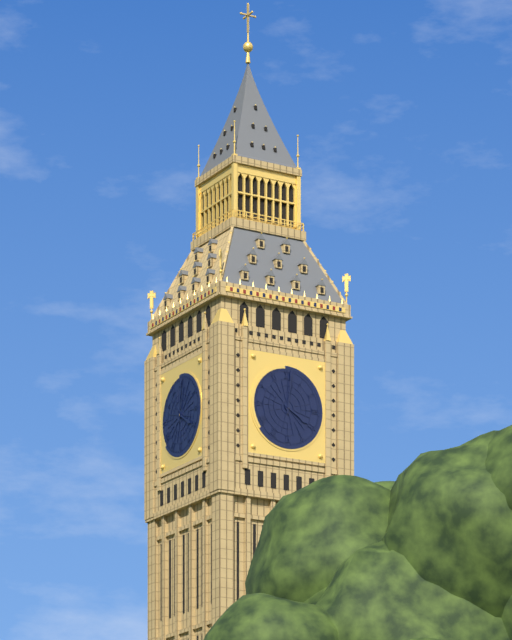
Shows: h=4 m=1
